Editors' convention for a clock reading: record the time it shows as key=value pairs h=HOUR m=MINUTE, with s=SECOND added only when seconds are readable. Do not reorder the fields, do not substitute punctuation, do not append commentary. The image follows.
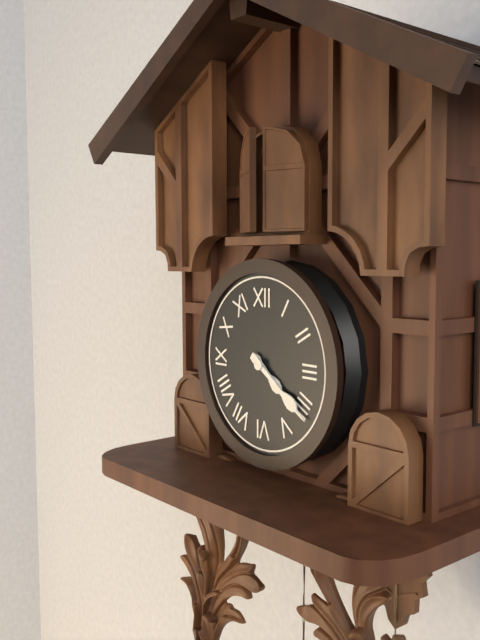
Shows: h=4 m=21
